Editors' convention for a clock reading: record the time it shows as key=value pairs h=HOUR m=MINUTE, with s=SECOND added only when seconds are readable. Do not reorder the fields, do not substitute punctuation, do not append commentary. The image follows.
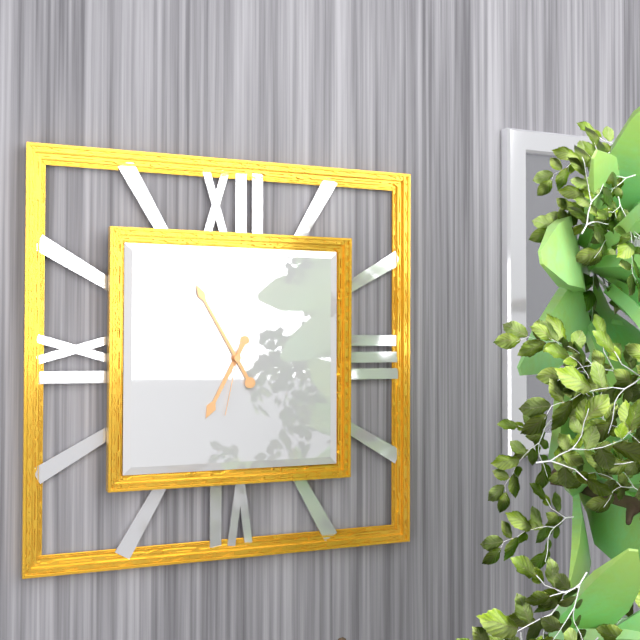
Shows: h=6 m=55 s=32
